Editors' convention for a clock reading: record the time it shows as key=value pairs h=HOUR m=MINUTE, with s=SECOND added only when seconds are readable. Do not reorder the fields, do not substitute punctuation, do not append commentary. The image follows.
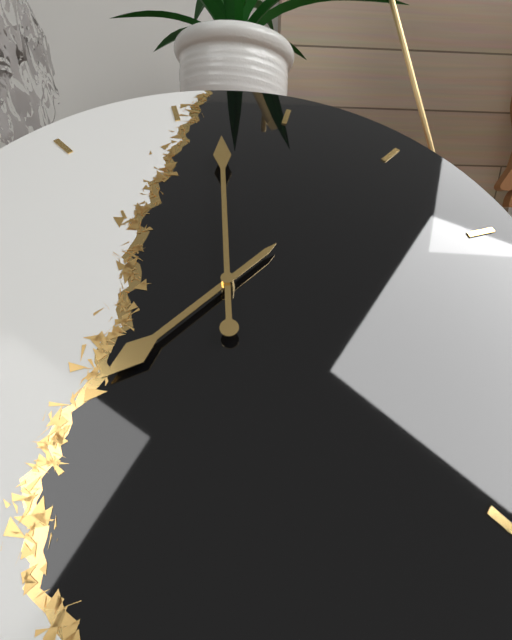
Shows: h=8 m=2
